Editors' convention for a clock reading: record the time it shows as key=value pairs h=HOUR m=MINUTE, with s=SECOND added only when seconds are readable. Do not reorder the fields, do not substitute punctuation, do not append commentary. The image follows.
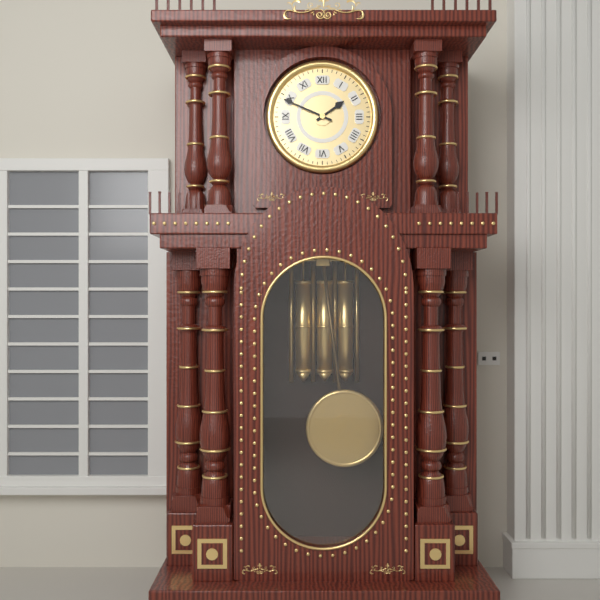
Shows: h=1 m=49
